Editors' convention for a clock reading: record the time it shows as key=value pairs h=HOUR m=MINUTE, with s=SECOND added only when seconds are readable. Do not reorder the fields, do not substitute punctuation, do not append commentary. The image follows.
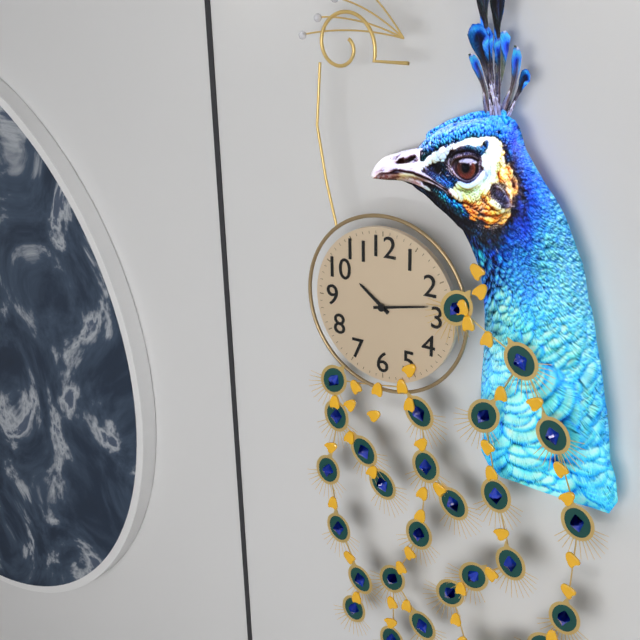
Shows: h=10 m=13
